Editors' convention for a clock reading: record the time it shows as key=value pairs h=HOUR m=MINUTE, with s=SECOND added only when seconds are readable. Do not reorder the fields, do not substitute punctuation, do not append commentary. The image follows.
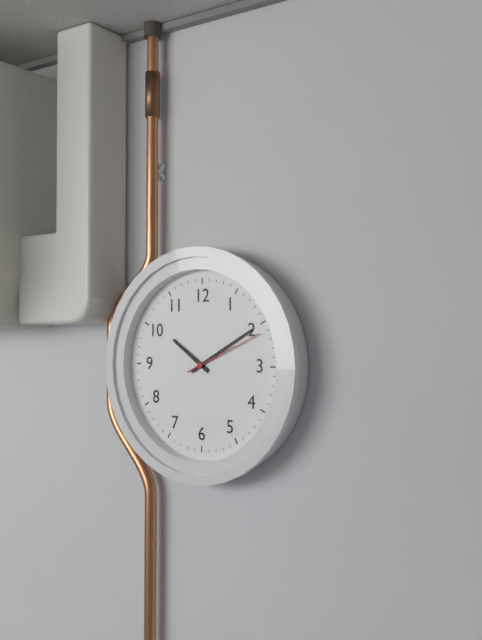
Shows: h=10 m=10 s=11
